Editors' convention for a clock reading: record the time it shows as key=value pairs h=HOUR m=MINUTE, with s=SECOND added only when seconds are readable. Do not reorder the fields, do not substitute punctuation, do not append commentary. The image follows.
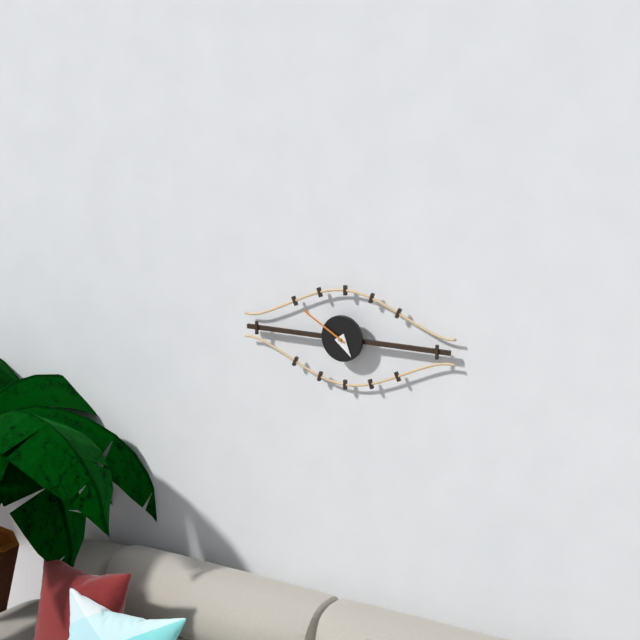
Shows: h=4 m=50
